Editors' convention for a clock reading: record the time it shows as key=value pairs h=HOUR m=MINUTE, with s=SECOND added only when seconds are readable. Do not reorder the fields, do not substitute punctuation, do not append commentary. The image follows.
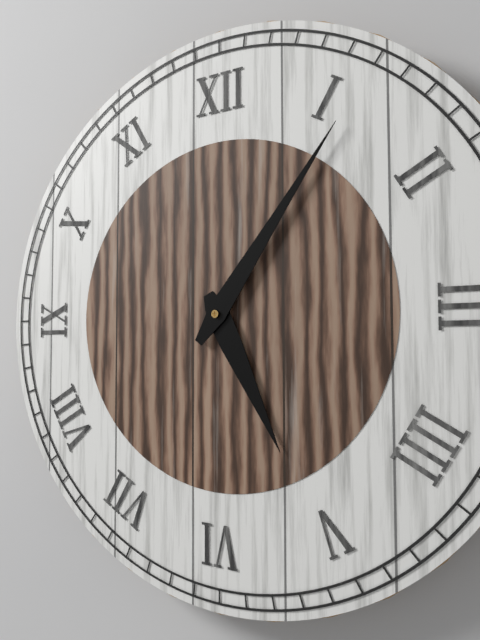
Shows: h=5 m=6
